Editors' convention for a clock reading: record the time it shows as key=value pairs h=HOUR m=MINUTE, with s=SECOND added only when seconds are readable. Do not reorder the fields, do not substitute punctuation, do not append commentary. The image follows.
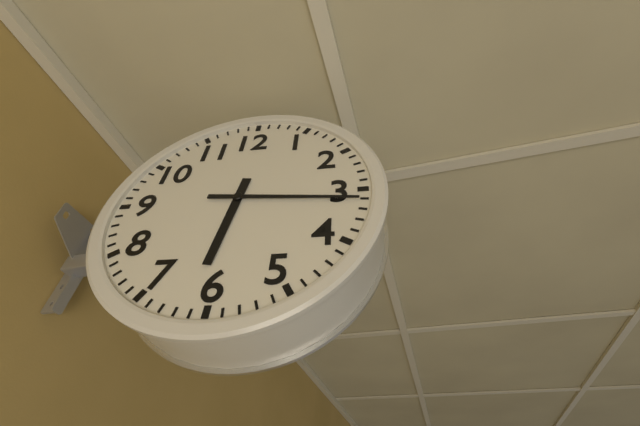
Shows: h=6 m=16
